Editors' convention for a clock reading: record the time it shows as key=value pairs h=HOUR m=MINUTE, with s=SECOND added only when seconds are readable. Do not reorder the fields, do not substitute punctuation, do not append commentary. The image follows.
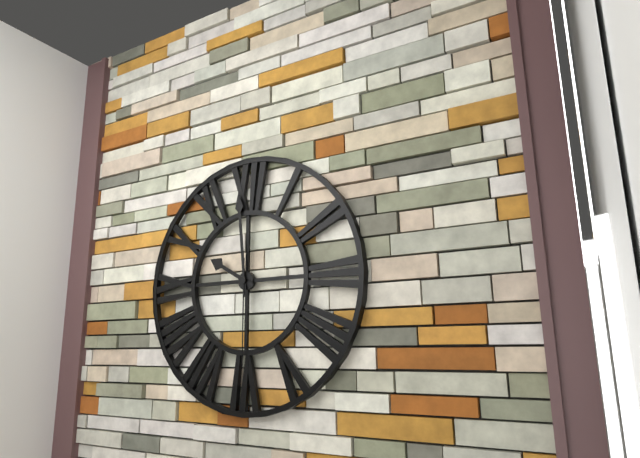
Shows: h=9 m=59 s=30
